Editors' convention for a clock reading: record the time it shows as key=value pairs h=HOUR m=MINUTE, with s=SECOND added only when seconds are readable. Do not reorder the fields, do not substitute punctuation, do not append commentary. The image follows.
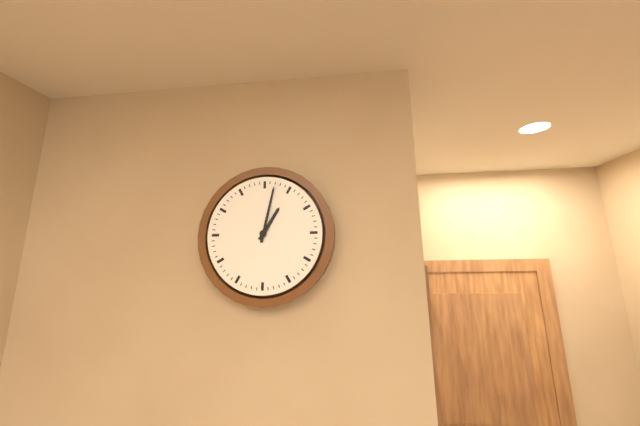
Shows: h=1 m=2
